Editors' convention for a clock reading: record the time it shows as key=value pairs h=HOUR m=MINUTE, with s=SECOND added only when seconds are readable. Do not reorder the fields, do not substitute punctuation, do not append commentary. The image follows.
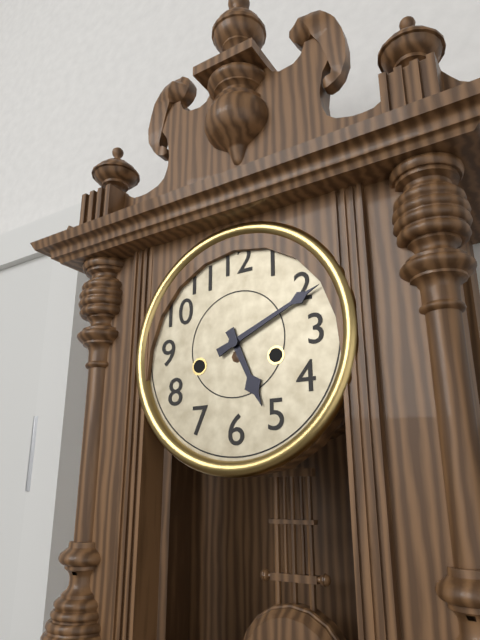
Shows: h=5 m=11
